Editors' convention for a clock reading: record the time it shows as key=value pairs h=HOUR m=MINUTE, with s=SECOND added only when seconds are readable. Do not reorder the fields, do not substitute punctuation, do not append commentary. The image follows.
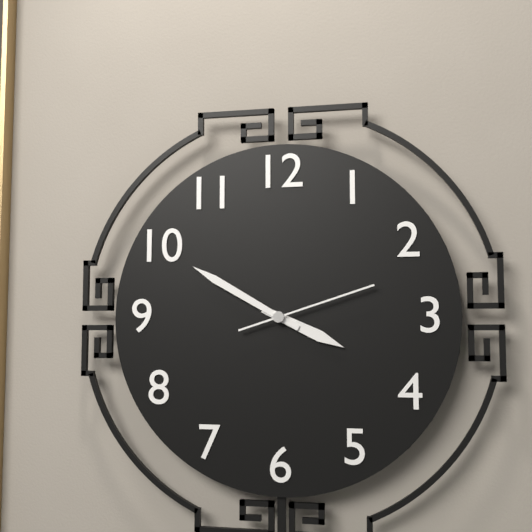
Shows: h=3 m=50 s=12
